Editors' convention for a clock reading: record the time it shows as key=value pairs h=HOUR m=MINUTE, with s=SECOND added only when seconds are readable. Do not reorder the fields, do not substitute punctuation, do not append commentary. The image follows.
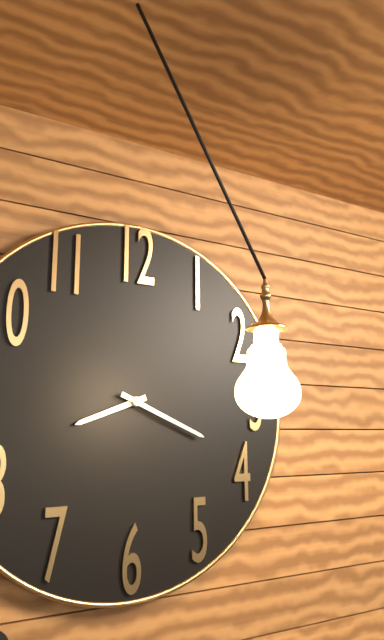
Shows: h=8 m=19
